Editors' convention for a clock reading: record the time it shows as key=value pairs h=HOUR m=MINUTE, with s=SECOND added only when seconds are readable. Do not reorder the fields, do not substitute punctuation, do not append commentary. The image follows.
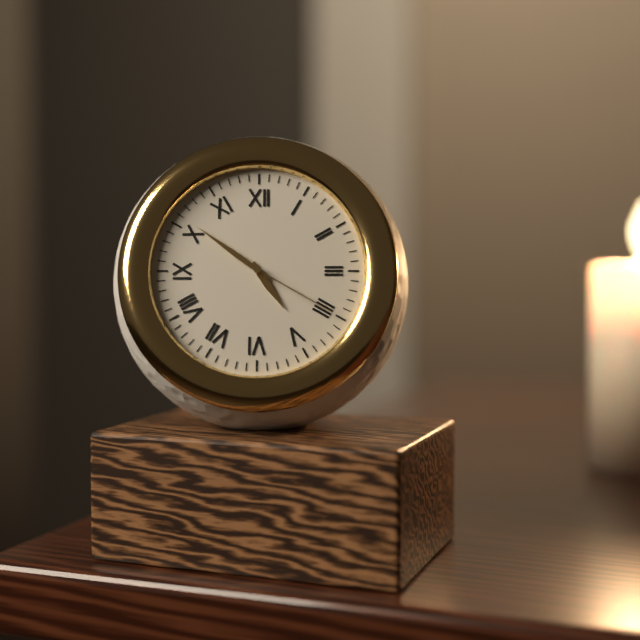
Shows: h=4 m=51 s=20
